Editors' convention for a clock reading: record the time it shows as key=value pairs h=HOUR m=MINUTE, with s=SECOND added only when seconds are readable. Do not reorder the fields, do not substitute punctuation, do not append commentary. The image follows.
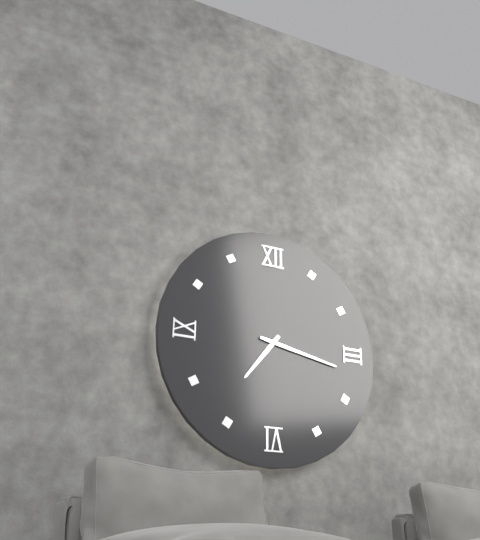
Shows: h=7 m=17
